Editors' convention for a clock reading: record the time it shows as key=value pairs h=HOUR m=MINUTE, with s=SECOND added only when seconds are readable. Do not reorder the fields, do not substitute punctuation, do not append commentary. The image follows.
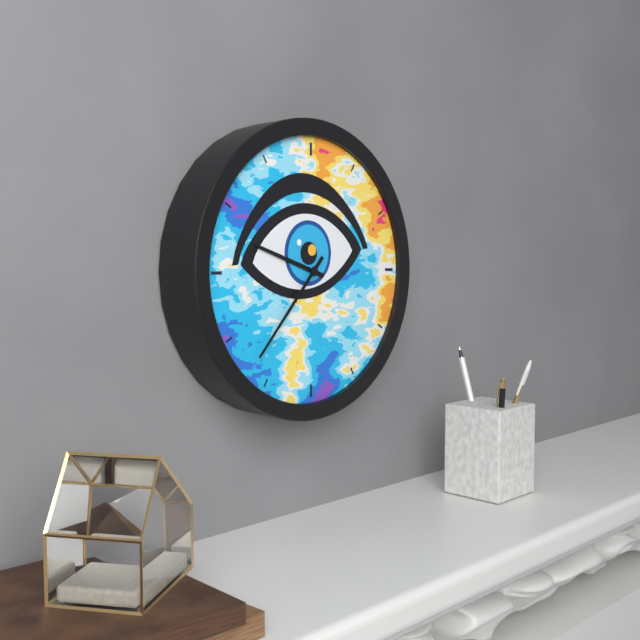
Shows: h=9 m=37
